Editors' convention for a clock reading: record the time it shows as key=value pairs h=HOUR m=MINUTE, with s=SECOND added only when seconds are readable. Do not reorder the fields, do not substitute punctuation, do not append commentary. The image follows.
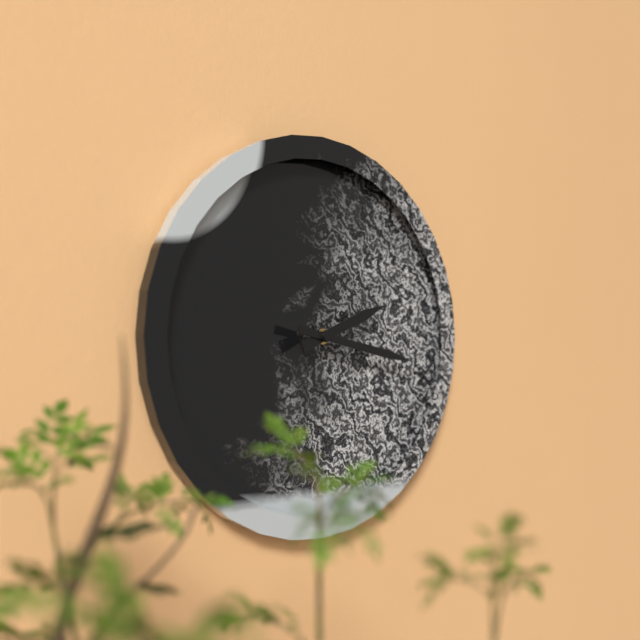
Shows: h=2 m=17
